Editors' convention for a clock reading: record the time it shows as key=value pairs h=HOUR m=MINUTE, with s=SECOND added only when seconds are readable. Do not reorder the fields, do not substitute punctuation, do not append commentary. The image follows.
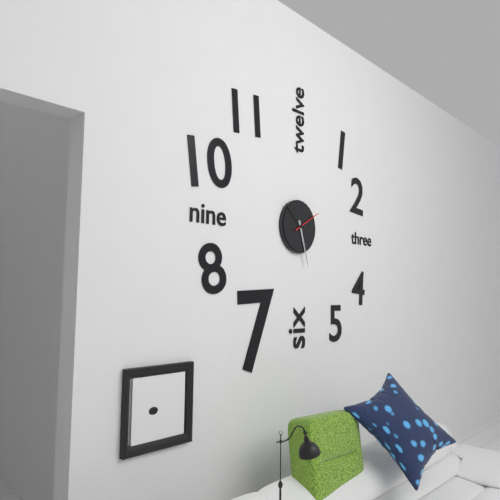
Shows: h=10 m=27
